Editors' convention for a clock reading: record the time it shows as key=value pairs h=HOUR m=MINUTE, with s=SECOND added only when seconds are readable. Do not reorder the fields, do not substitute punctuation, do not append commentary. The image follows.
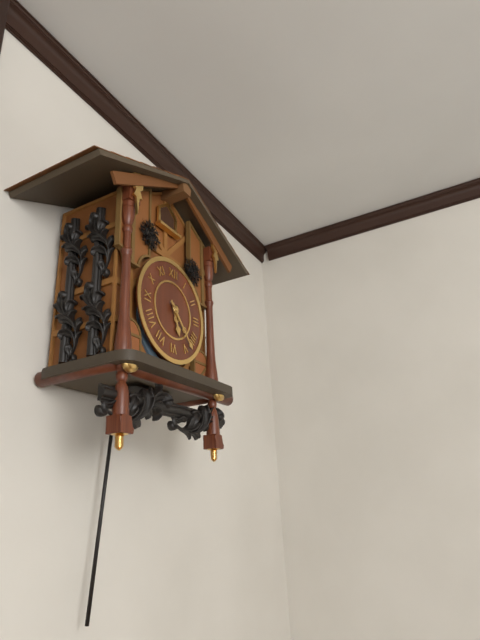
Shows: h=5 m=23
